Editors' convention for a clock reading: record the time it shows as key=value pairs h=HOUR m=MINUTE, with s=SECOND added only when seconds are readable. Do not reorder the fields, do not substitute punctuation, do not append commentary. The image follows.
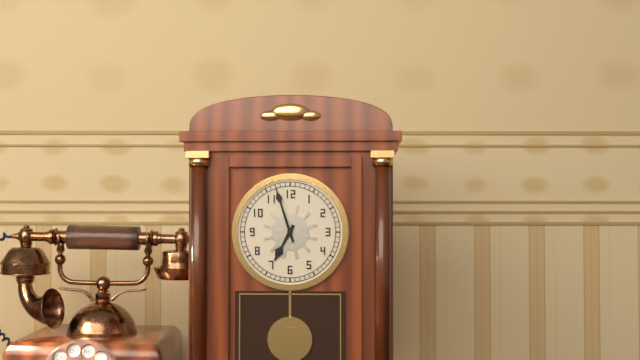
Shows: h=6 m=57
